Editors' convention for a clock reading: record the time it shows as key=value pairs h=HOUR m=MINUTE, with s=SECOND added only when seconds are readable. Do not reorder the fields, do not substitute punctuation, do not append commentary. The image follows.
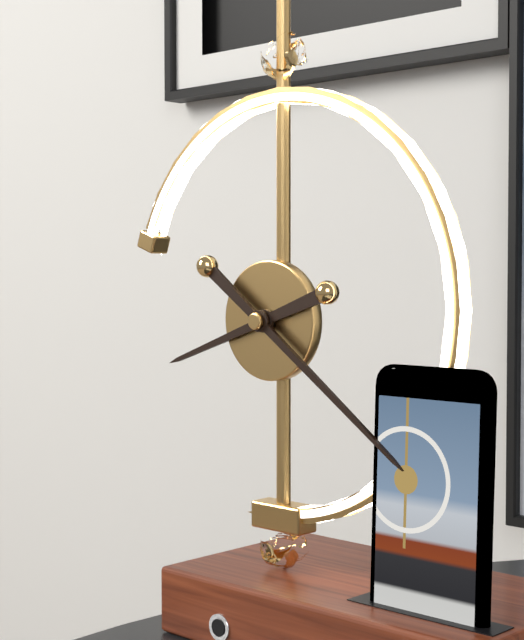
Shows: h=8 m=21
